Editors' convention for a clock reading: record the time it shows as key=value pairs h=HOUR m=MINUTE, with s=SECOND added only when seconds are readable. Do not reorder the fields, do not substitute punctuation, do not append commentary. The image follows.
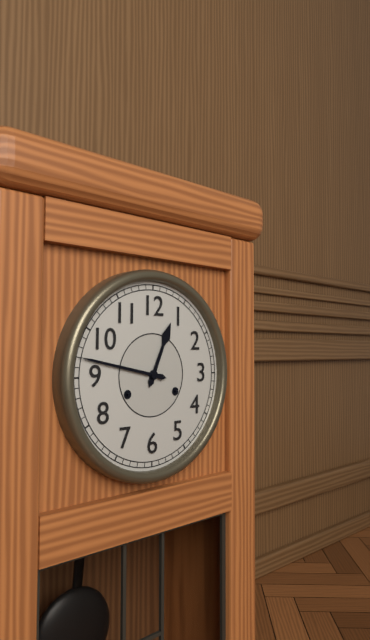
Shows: h=12 m=47
